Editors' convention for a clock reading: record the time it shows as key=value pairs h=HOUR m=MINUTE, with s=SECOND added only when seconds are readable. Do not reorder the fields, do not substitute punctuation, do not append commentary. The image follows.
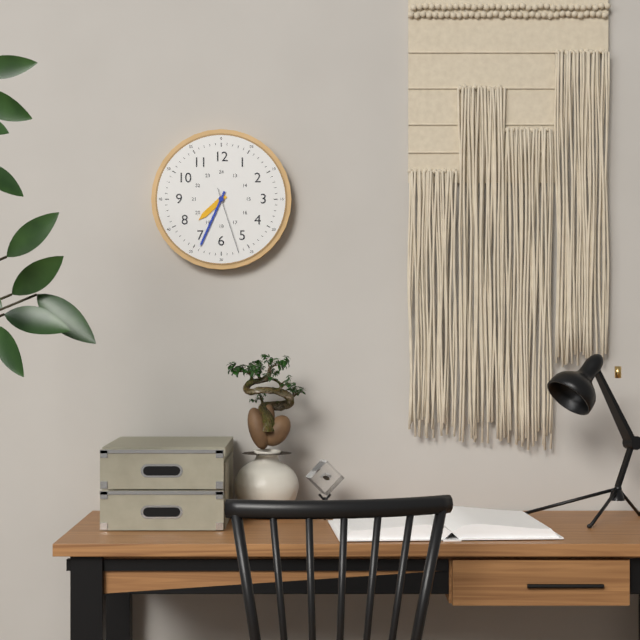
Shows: h=7 m=34 s=27
